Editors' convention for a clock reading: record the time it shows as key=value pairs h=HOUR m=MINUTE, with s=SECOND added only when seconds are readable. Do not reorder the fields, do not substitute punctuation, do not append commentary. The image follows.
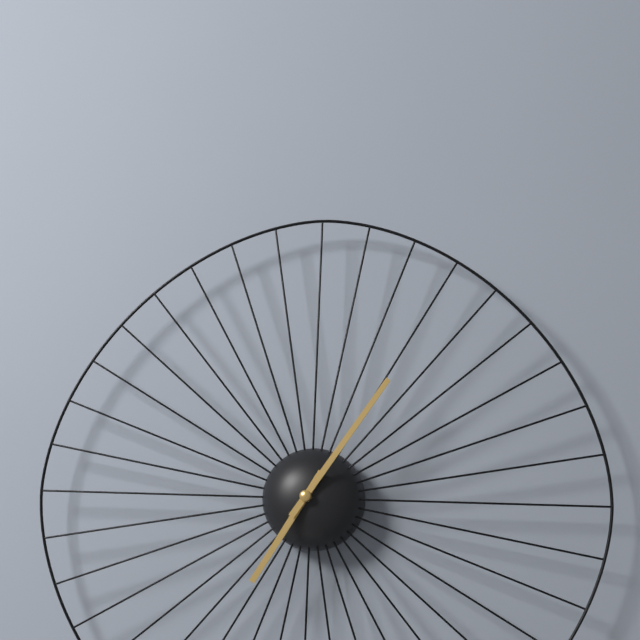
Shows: h=7 m=6
